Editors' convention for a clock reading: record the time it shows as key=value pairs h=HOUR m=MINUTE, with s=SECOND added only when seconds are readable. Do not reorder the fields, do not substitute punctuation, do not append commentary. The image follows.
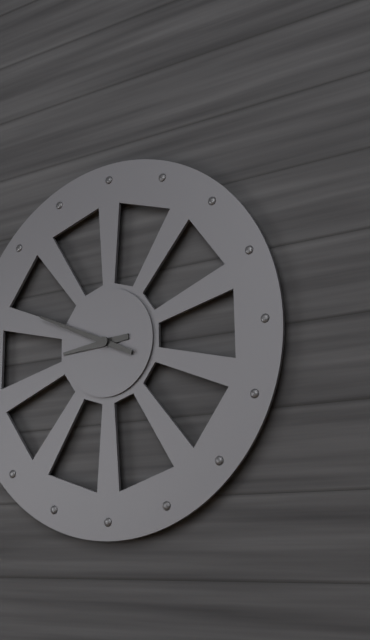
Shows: h=8 m=49
